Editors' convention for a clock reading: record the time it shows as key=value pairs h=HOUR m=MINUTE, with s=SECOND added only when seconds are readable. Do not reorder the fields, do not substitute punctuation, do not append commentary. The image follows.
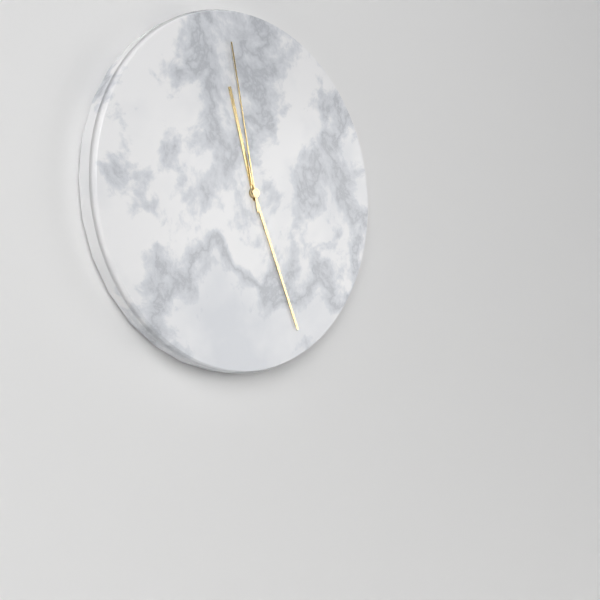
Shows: h=11 m=26 s=58
